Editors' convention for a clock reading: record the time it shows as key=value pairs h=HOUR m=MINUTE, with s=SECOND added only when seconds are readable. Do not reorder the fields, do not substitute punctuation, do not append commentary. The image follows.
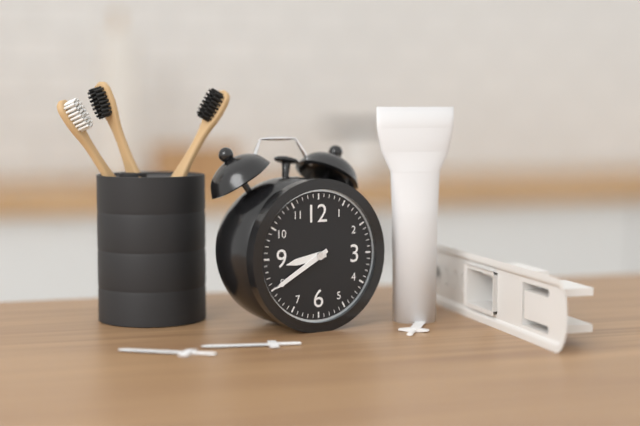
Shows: h=8 m=40
